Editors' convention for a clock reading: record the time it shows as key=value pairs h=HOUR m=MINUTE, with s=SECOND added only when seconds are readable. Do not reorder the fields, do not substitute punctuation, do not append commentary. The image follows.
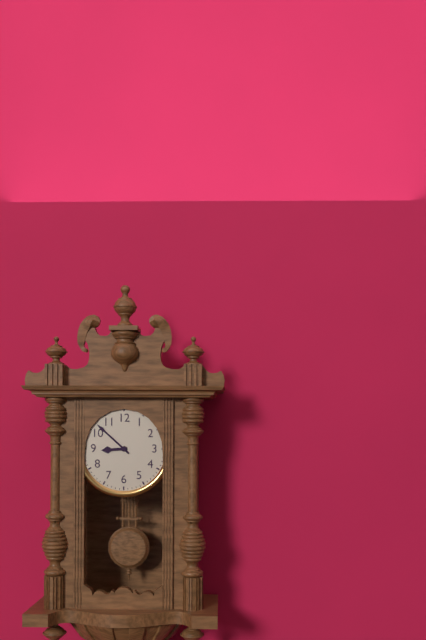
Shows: h=8 m=52
